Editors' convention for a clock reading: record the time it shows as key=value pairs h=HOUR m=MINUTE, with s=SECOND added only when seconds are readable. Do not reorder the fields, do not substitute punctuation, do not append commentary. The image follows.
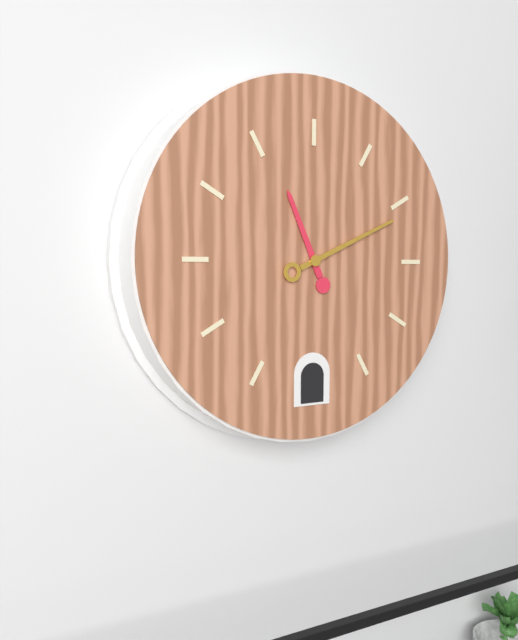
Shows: h=11 m=11
